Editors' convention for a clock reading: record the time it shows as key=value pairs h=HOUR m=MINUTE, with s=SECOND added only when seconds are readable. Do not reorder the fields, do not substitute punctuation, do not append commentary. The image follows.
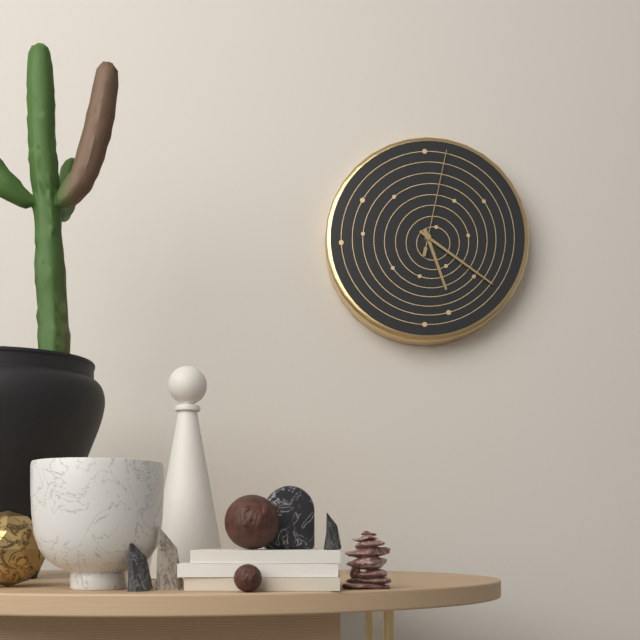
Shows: h=5 m=21 s=2
